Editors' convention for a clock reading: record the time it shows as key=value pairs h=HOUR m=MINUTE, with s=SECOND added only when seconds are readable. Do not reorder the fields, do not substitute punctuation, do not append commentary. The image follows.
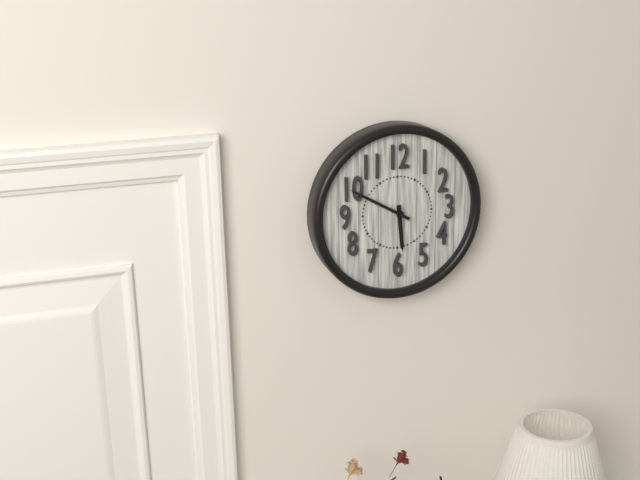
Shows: h=5 m=50
